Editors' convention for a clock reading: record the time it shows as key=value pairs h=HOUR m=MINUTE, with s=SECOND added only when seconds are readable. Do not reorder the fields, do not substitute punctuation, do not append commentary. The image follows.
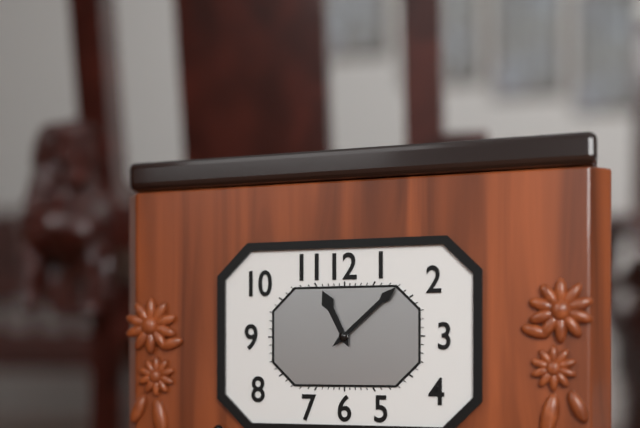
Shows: h=11 m=8
